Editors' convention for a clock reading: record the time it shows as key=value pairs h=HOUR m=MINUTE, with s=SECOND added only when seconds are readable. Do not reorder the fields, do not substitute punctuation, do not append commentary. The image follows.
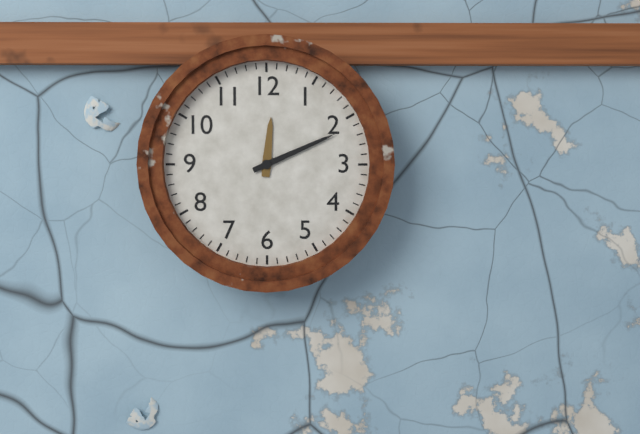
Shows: h=12 m=11
